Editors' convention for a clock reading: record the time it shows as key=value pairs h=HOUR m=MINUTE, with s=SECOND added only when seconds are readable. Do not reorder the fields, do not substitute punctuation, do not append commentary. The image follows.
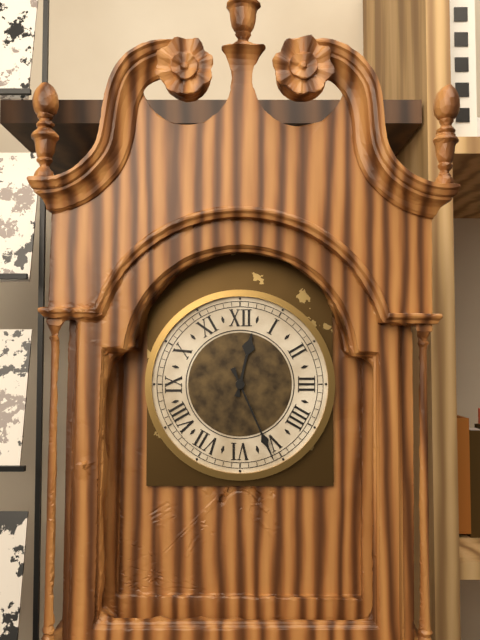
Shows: h=12 m=26
